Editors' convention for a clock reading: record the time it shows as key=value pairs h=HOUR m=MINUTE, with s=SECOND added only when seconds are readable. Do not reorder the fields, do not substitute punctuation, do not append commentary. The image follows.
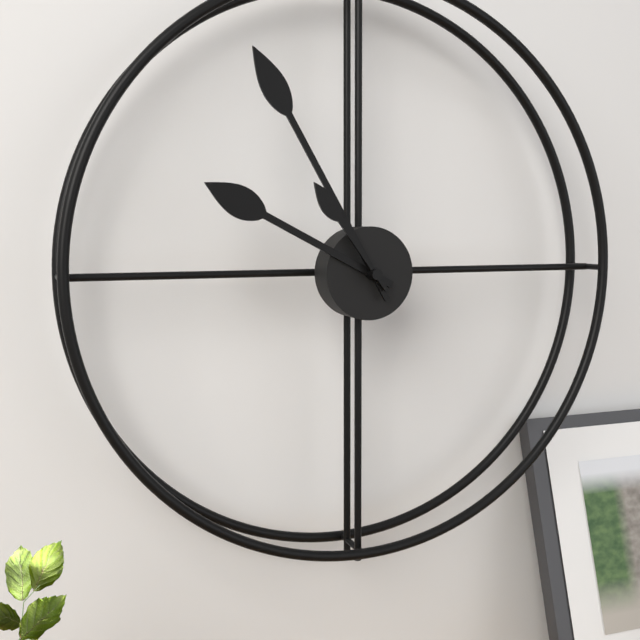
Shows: h=9 m=55 s=54
